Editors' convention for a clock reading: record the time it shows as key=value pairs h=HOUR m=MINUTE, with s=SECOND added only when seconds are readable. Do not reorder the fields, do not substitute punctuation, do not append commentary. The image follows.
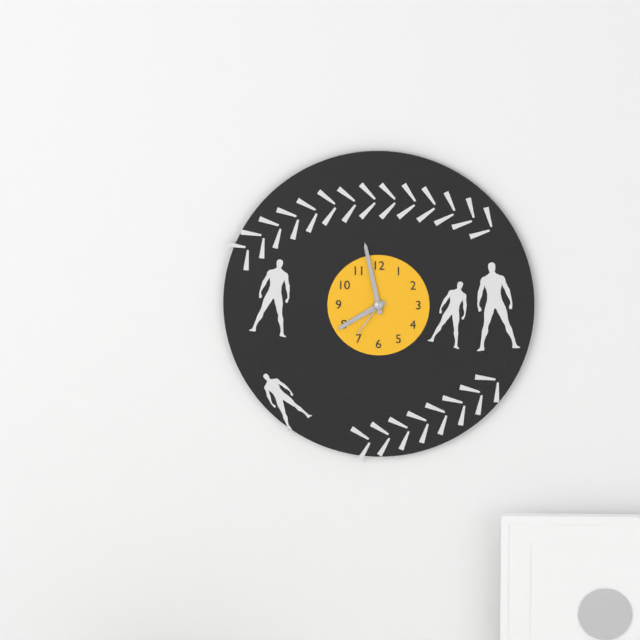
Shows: h=7 m=58
